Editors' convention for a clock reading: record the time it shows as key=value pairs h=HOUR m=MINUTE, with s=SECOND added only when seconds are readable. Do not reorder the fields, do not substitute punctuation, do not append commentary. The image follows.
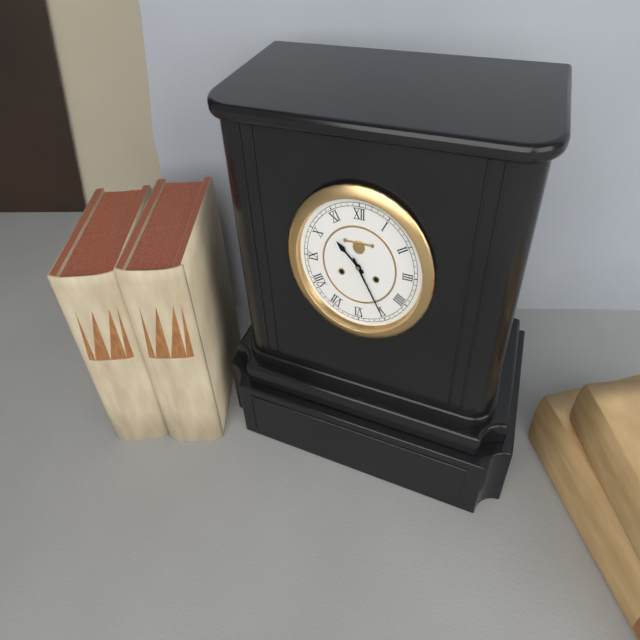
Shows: h=10 m=25
